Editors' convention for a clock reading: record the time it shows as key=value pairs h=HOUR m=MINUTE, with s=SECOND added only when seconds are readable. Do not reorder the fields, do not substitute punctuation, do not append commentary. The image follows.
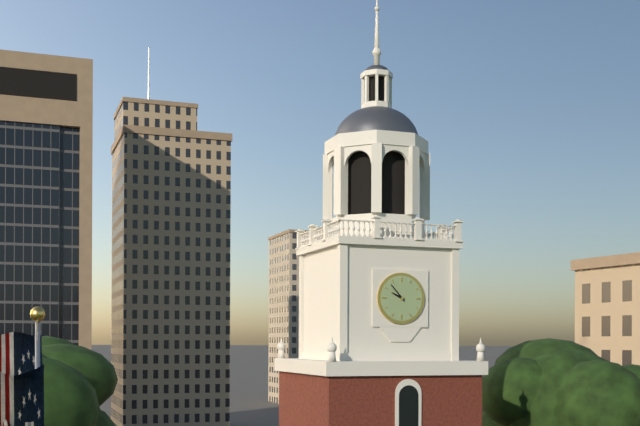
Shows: h=9 m=53
